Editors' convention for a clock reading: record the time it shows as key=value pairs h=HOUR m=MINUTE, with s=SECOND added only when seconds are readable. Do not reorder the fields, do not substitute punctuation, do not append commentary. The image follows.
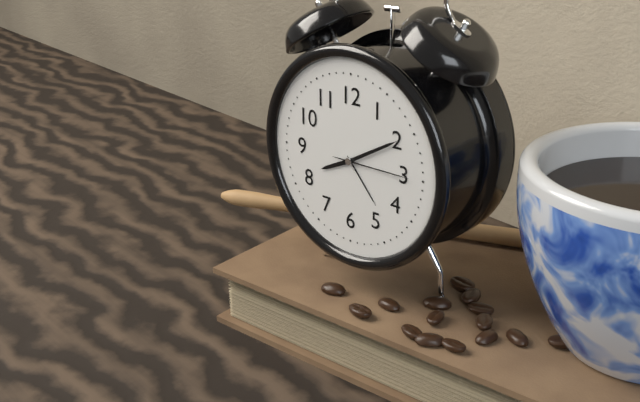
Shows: h=8 m=10 s=15
